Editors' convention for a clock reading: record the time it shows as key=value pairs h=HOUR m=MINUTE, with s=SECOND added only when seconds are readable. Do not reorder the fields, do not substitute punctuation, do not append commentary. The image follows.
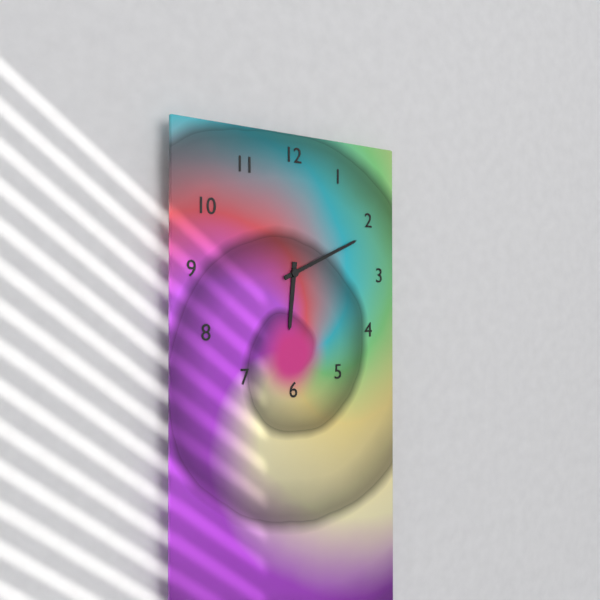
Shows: h=6 m=11
